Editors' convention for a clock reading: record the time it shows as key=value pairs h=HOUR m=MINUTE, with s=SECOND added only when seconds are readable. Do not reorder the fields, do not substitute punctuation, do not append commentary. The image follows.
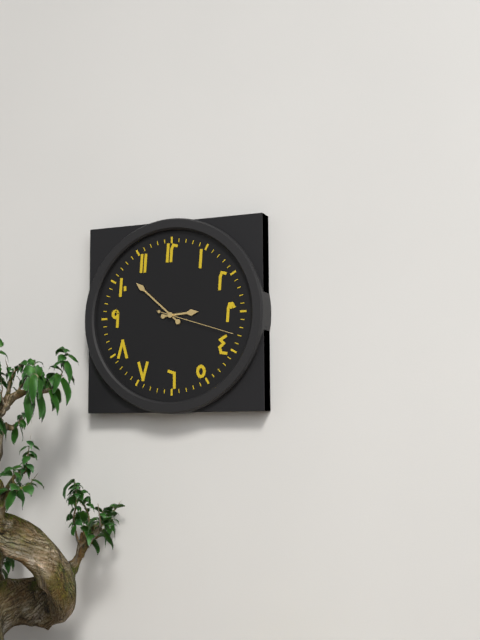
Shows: h=2 m=52 s=18
